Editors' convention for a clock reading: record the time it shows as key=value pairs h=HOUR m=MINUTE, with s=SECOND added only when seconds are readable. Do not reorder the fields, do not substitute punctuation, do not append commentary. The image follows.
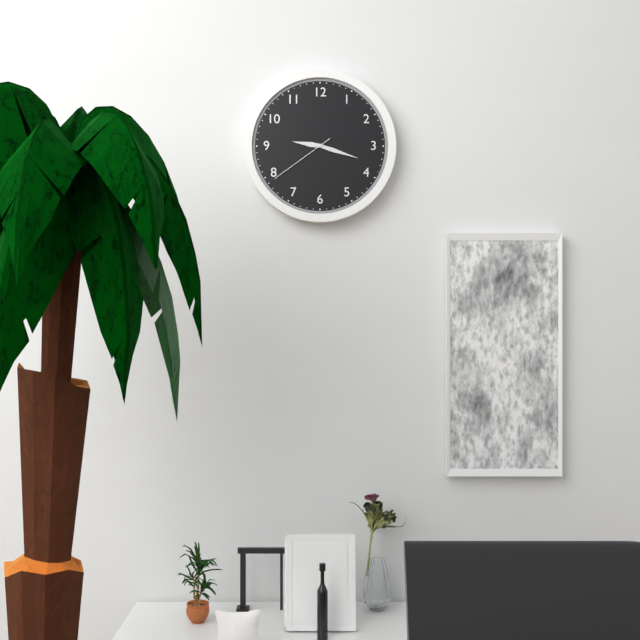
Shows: h=9 m=18 s=39
